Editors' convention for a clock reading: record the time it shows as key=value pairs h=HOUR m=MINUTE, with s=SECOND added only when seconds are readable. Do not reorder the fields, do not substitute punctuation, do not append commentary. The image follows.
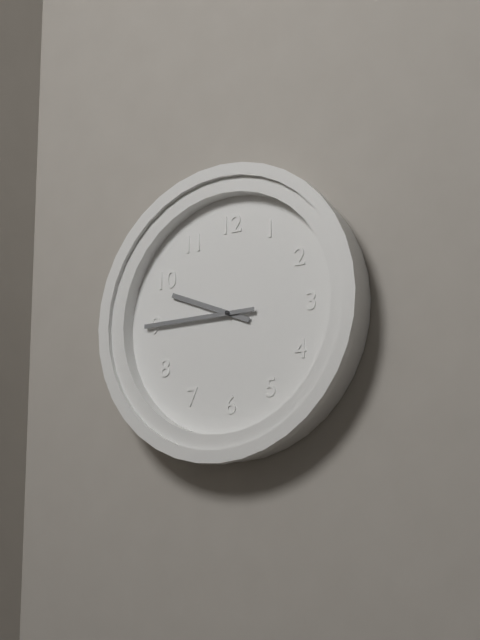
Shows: h=9 m=45
